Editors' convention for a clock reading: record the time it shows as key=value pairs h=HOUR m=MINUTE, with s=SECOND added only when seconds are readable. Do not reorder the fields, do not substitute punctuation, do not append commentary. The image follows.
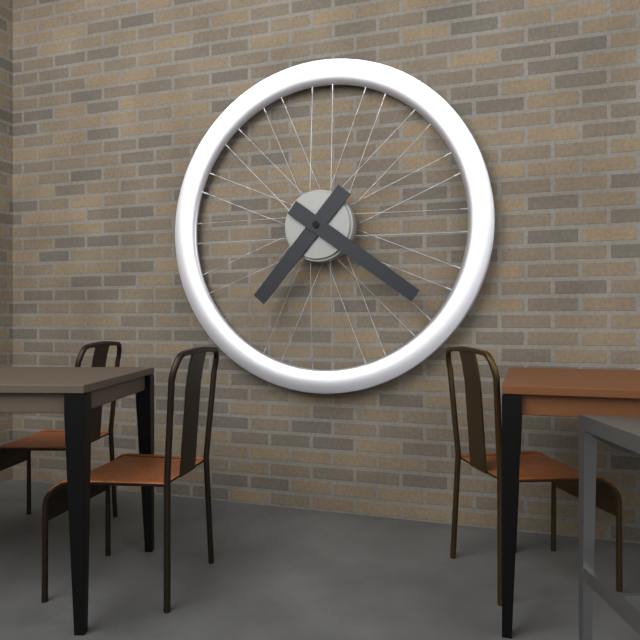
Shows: h=7 m=21
